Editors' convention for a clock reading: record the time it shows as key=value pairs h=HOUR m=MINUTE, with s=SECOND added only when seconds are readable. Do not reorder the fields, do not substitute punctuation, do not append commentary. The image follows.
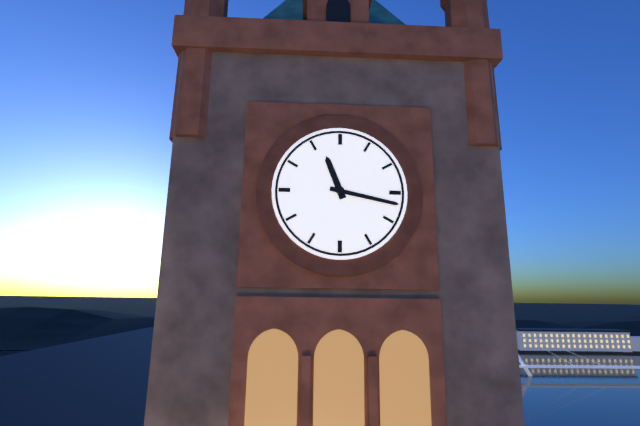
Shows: h=11 m=17
